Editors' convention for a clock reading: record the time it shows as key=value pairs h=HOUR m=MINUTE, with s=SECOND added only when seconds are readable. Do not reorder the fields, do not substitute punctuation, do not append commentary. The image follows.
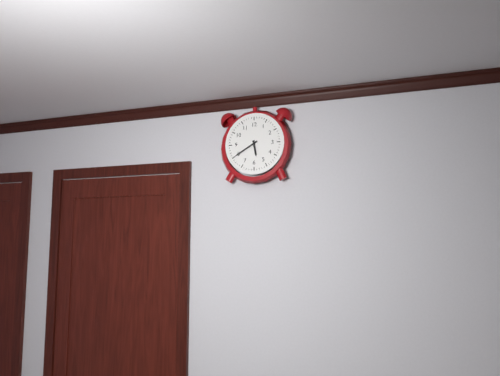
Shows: h=5 m=40
